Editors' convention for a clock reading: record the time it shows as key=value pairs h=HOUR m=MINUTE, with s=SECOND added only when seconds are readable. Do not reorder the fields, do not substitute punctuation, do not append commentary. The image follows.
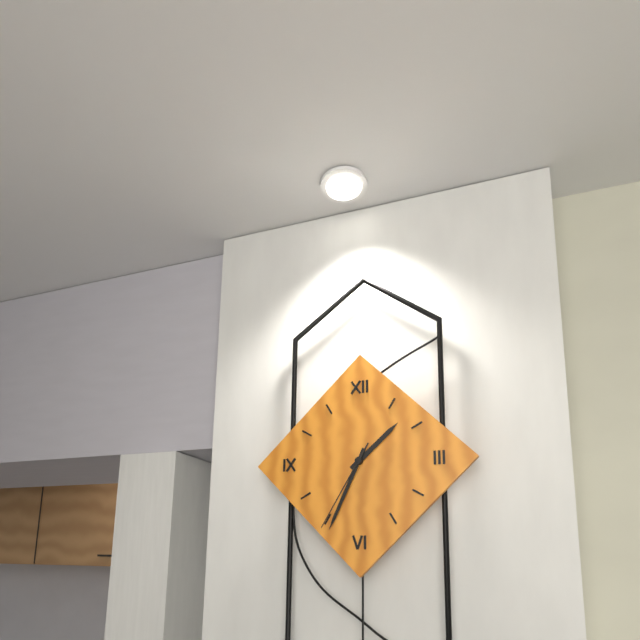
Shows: h=1 m=34 s=35
